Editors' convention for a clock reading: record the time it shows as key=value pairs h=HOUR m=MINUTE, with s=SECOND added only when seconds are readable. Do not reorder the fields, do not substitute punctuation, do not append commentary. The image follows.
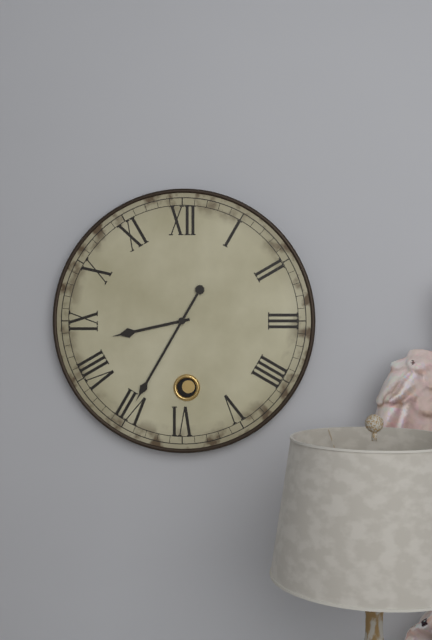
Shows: h=8 m=35
